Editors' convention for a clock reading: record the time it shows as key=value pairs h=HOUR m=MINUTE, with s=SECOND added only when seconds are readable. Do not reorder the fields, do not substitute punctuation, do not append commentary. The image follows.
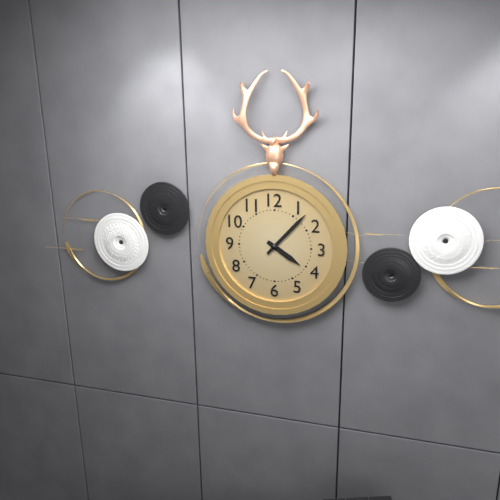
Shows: h=4 m=7
